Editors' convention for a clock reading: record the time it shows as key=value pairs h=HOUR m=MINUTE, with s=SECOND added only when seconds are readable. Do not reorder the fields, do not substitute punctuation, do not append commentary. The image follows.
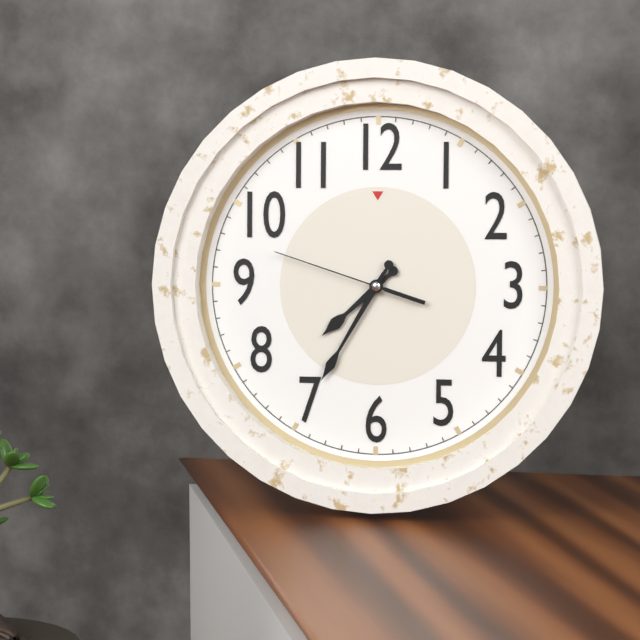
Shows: h=7 m=35 s=48
